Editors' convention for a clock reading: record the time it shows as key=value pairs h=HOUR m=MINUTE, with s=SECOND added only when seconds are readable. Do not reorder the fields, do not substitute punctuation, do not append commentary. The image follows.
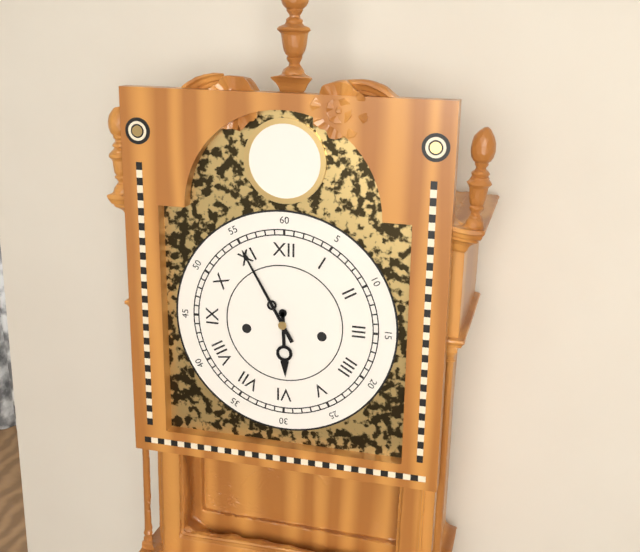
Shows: h=5 m=55
